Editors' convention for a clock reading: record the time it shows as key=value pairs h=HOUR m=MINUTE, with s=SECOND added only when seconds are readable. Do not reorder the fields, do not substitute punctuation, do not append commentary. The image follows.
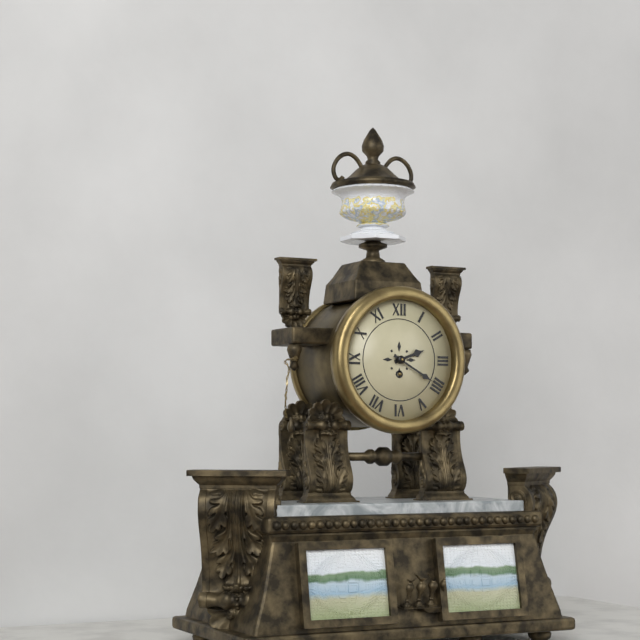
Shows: h=2 m=20
